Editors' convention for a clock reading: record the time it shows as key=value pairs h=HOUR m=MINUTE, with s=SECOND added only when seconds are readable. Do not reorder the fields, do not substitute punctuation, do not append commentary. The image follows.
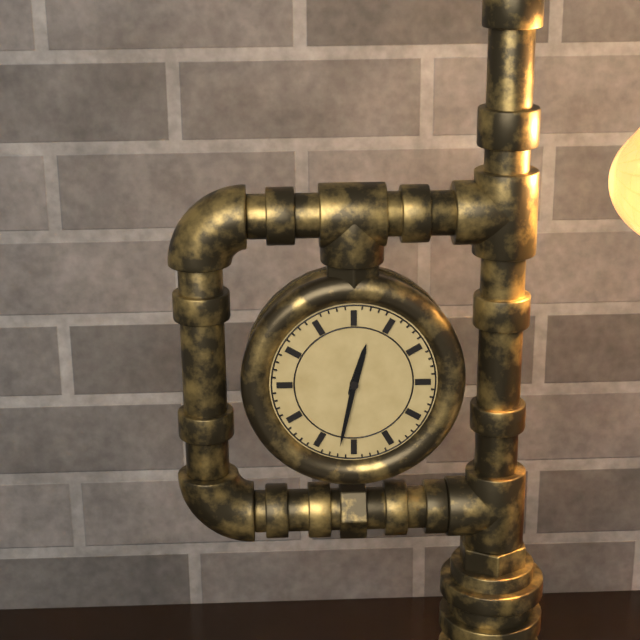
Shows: h=12 m=32
